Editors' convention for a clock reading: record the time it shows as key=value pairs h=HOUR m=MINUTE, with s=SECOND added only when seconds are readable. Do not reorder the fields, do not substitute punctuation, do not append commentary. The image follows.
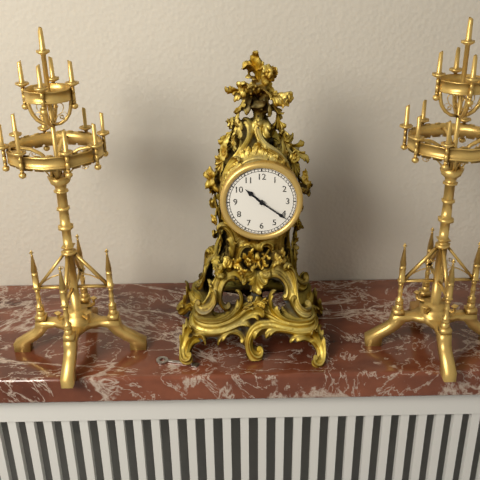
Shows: h=10 m=21
